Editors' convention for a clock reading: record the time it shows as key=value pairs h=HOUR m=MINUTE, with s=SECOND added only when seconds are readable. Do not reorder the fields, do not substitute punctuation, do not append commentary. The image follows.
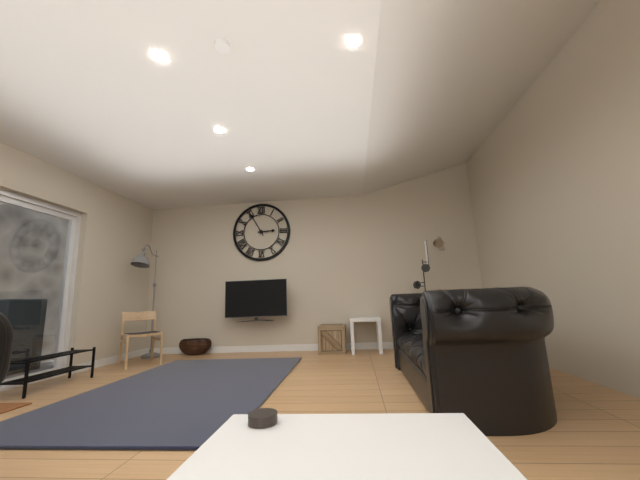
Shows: h=2 m=55
